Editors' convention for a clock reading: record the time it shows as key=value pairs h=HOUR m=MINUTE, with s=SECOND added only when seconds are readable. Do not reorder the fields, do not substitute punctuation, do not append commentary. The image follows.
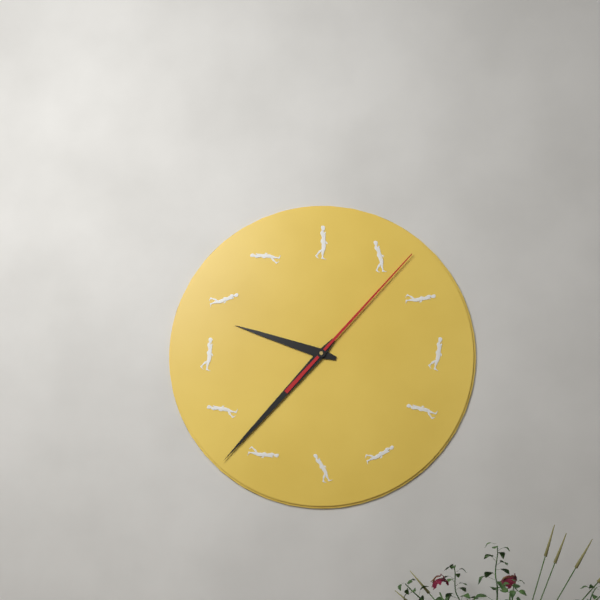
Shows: h=9 m=37 s=7
